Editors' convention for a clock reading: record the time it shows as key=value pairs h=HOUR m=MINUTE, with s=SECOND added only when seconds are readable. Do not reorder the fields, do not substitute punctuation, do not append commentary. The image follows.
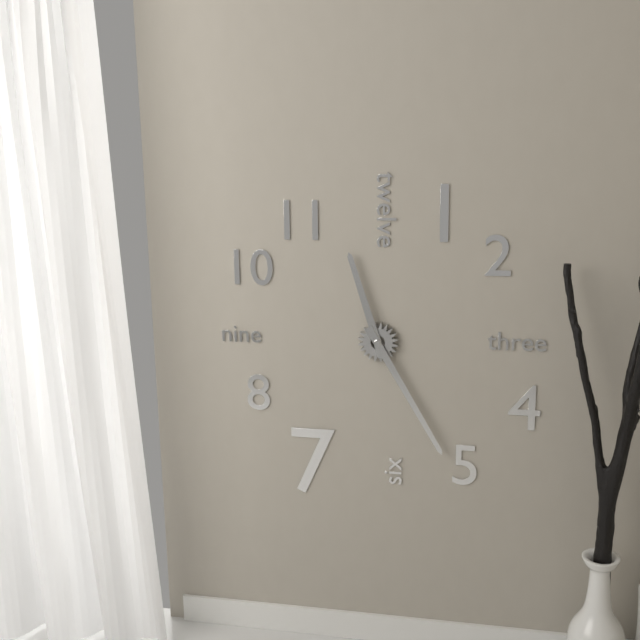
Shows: h=11 m=25
